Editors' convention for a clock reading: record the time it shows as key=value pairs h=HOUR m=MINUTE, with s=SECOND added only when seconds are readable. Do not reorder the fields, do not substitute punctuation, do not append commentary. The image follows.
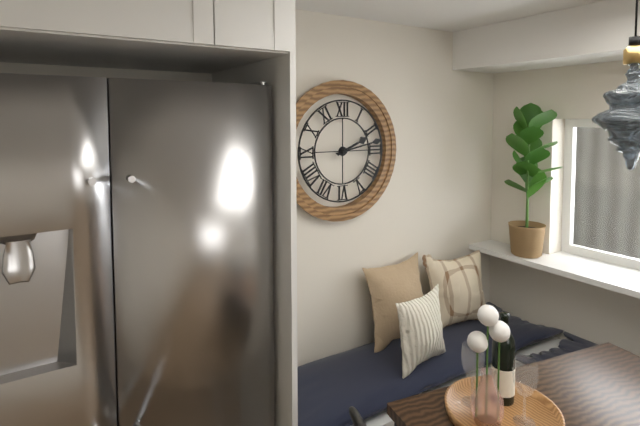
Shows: h=2 m=13
